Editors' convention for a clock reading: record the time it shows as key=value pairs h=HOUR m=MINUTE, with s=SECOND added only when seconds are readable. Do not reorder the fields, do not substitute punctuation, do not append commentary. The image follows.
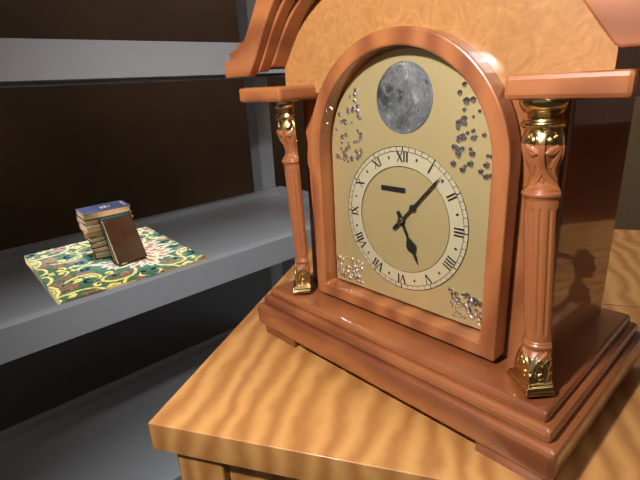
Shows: h=5 m=7
